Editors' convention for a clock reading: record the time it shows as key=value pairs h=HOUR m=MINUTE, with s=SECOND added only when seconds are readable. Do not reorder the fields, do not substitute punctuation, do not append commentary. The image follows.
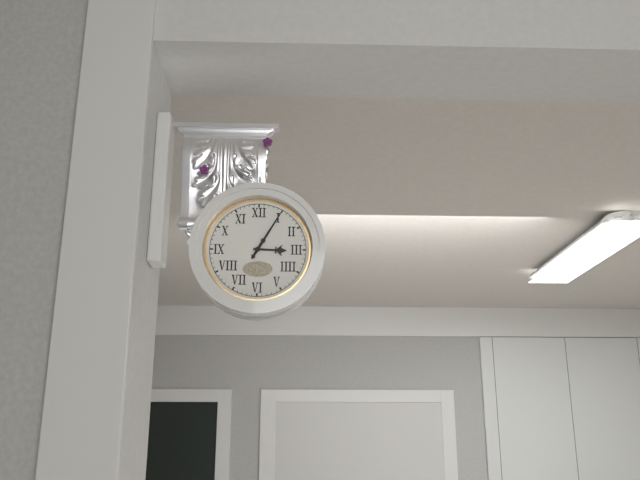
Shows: h=3 m=5
